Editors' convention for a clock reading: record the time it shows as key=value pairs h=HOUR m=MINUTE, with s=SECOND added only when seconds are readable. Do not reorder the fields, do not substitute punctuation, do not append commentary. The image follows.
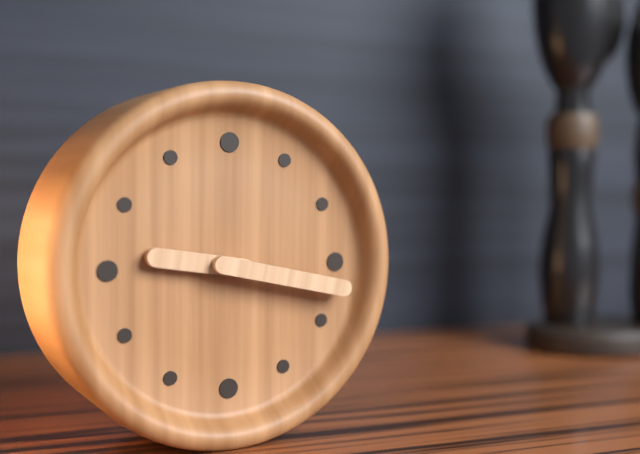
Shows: h=9 m=17
